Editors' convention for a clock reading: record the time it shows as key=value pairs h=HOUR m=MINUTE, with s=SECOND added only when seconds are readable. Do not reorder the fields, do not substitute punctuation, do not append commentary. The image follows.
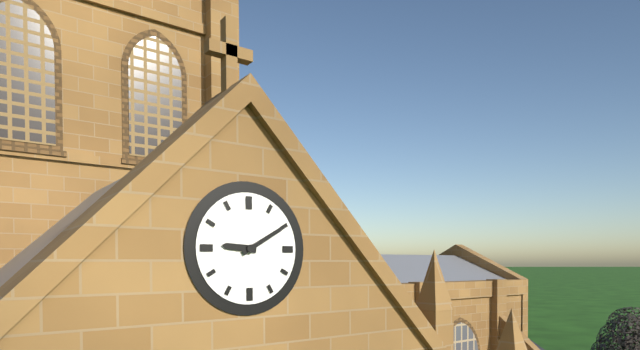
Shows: h=9 m=10
